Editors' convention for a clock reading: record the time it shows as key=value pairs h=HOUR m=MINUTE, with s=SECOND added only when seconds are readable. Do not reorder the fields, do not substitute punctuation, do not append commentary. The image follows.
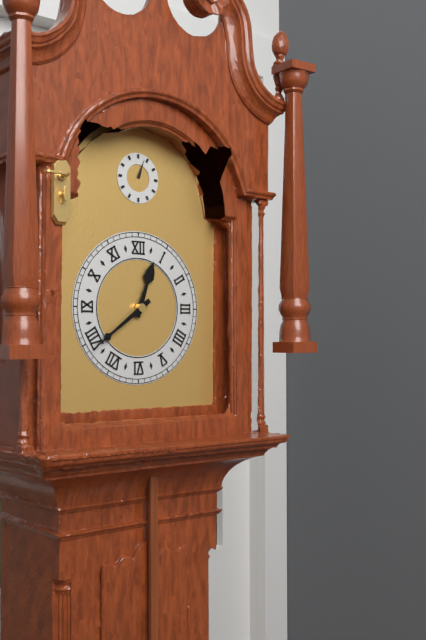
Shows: h=12 m=39
